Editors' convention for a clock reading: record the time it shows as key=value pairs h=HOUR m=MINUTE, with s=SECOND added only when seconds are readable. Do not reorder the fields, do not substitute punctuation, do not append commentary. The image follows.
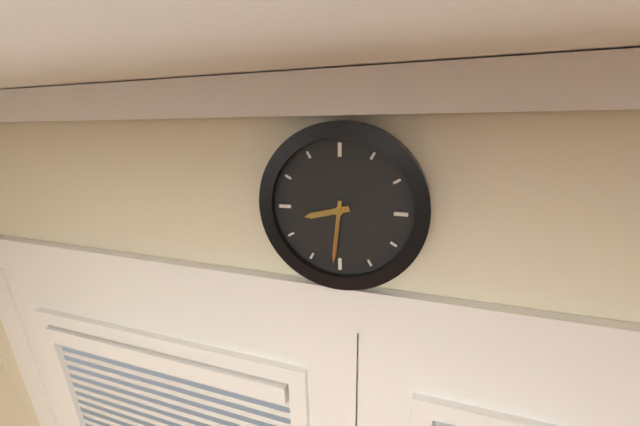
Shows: h=8 m=31
